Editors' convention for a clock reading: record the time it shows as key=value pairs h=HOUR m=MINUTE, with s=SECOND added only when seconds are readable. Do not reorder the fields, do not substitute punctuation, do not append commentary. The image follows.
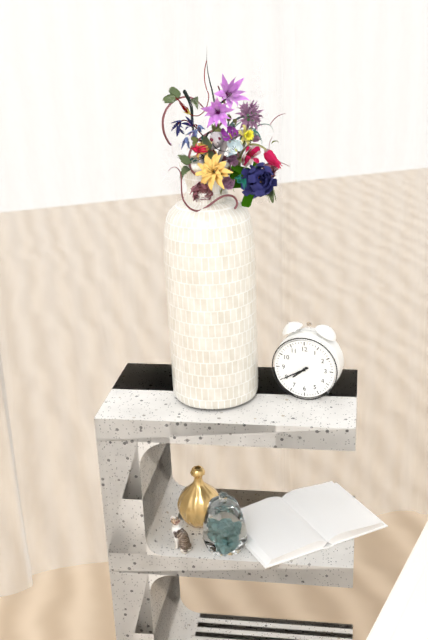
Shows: h=7 m=40
